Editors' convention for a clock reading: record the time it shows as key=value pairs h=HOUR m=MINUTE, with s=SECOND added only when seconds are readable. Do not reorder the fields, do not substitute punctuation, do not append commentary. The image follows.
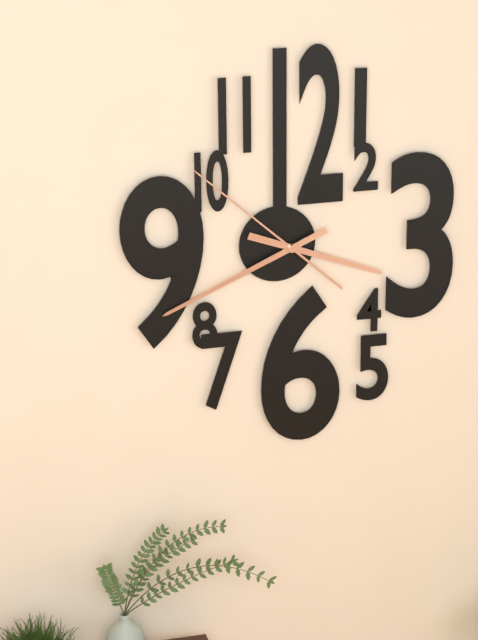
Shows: h=3 m=41 s=52
